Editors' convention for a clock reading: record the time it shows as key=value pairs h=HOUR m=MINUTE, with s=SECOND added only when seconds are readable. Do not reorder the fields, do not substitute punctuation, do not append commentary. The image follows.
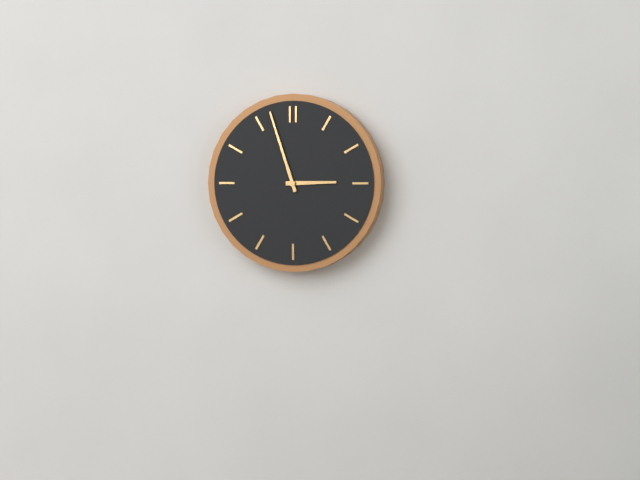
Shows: h=2 m=57
